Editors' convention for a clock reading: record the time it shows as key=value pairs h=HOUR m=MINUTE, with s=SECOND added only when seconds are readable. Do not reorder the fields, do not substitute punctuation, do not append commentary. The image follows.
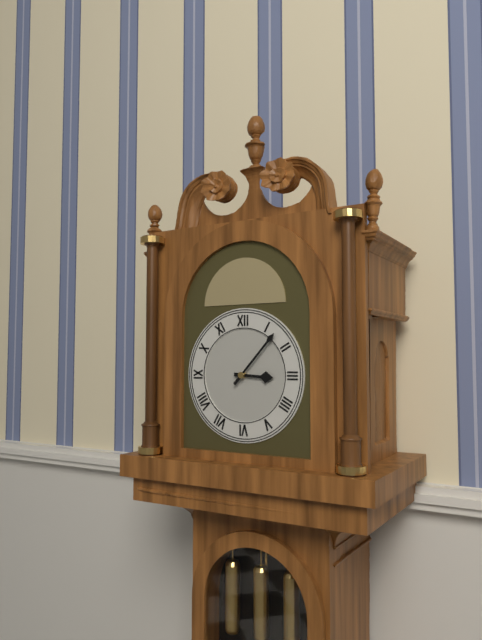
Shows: h=3 m=7
